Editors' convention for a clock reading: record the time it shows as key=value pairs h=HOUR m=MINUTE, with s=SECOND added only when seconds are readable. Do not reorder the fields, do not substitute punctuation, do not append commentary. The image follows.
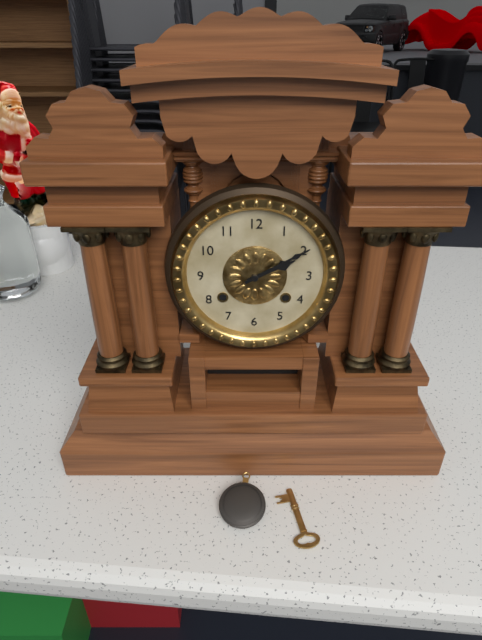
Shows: h=2 m=10
